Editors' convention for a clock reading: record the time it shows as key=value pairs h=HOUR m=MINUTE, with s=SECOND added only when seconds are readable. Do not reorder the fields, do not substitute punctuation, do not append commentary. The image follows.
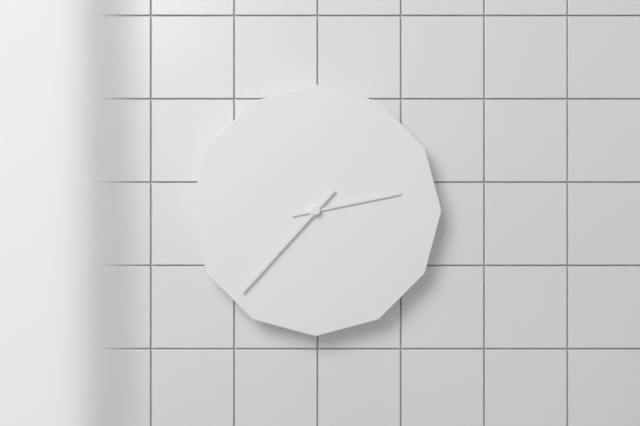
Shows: h=2 m=37
